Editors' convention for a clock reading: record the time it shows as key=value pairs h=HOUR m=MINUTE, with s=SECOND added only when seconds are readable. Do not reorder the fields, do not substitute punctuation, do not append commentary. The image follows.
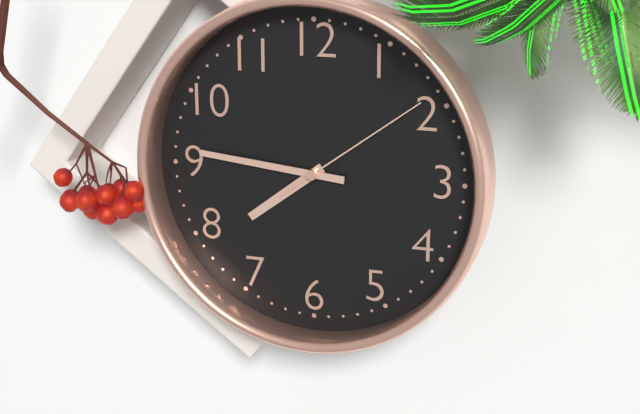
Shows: h=7 m=46 s=9
